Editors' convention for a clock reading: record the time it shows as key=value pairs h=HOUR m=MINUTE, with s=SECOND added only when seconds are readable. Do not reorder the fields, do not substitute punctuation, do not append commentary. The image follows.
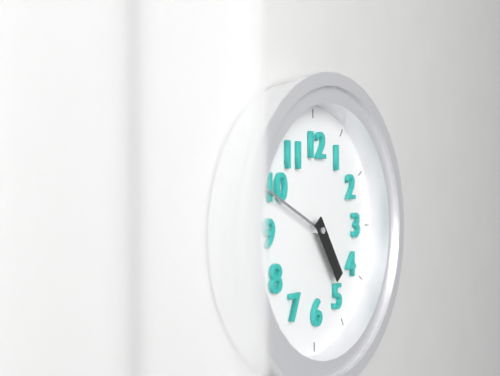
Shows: h=4 m=49
